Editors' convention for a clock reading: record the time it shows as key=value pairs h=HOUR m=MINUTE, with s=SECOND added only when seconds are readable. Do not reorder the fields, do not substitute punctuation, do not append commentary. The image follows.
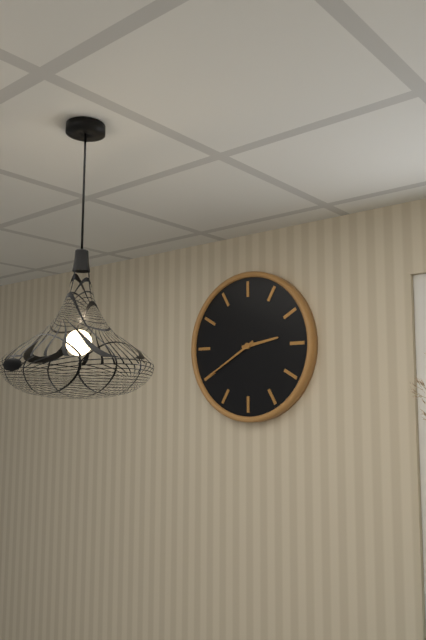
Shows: h=2 m=40
